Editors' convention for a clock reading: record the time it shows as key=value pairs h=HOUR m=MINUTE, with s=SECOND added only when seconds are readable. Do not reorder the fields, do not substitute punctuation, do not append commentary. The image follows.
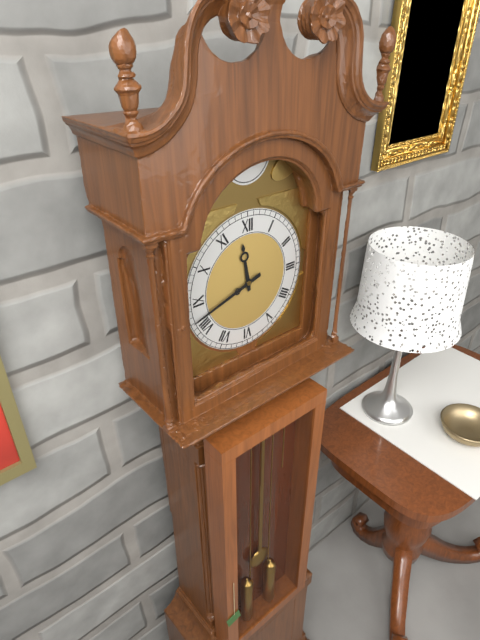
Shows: h=11 m=42
